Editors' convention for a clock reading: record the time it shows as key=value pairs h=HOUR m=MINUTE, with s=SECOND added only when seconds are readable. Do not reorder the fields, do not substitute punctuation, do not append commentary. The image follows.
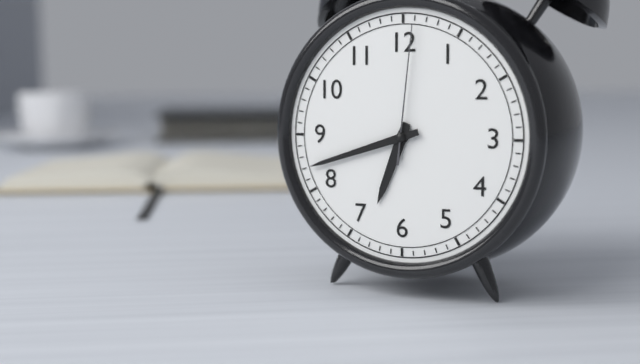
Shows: h=6 m=42 s=1
